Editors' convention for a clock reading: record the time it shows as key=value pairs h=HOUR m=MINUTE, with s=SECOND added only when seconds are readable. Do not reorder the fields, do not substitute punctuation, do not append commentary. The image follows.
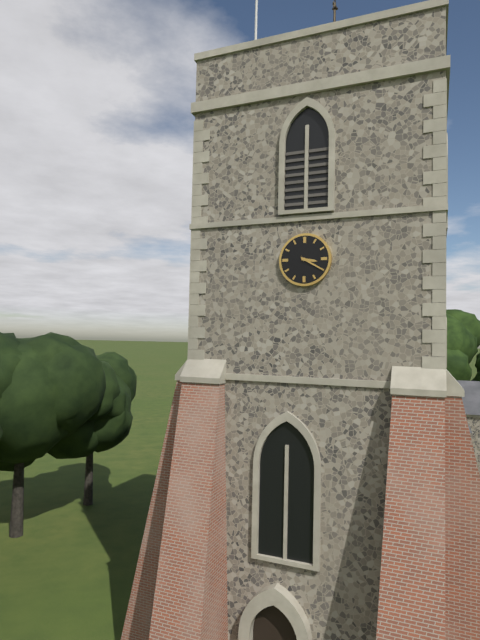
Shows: h=3 m=20
